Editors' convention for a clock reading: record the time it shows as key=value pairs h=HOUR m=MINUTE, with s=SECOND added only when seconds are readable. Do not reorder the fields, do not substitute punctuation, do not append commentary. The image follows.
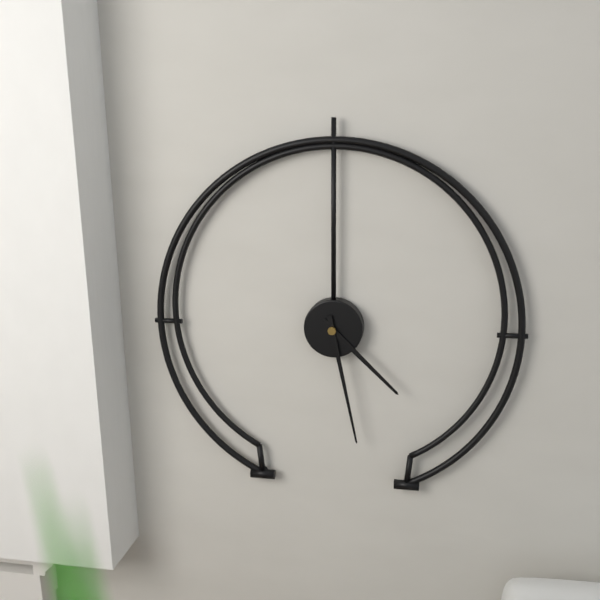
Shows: h=4 m=28
